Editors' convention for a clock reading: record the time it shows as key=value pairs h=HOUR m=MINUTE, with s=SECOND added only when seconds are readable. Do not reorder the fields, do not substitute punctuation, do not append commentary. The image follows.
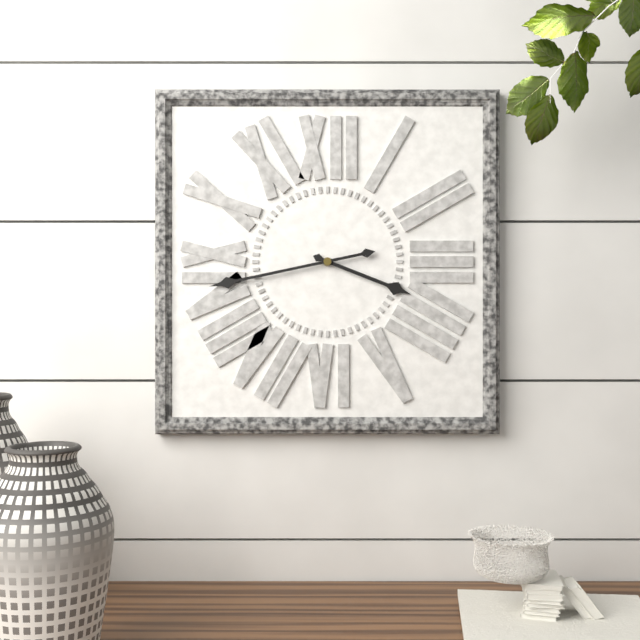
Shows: h=3 m=43
